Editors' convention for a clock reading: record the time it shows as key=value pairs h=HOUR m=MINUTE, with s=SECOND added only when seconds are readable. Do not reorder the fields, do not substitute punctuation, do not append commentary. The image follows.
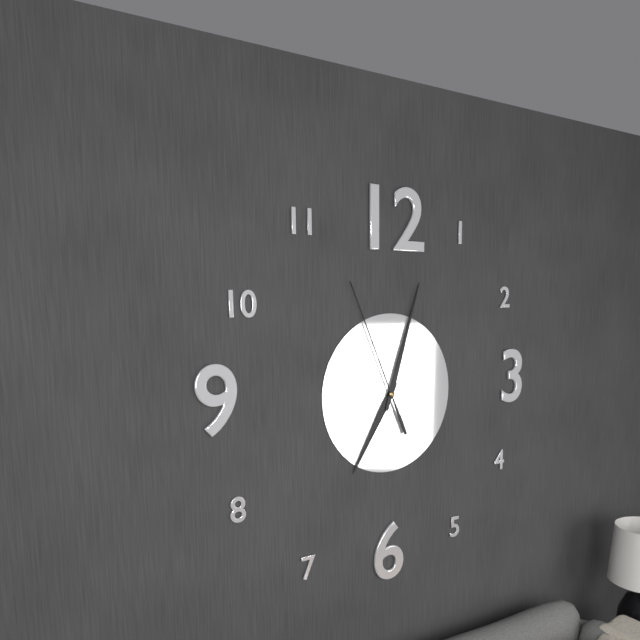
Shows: h=7 m=3 s=56
